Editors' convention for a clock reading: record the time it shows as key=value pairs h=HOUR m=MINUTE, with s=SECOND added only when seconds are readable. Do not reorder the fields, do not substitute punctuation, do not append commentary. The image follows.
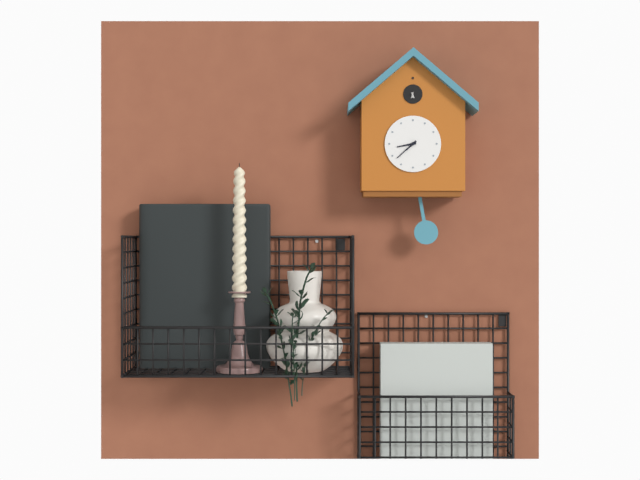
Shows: h=8 m=38
